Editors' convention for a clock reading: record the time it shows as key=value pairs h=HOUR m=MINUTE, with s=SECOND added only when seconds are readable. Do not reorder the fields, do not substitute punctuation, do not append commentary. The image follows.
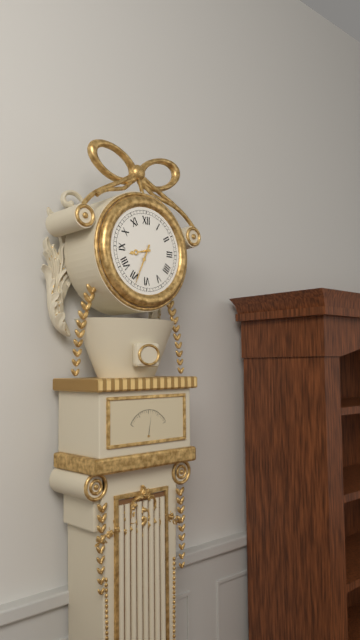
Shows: h=8 m=34
